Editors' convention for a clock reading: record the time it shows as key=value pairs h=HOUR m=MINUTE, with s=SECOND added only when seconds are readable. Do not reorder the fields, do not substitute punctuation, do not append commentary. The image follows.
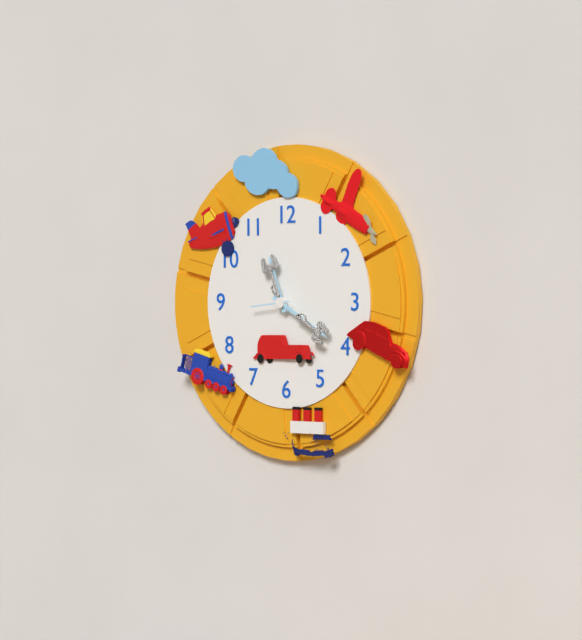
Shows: h=11 m=20
